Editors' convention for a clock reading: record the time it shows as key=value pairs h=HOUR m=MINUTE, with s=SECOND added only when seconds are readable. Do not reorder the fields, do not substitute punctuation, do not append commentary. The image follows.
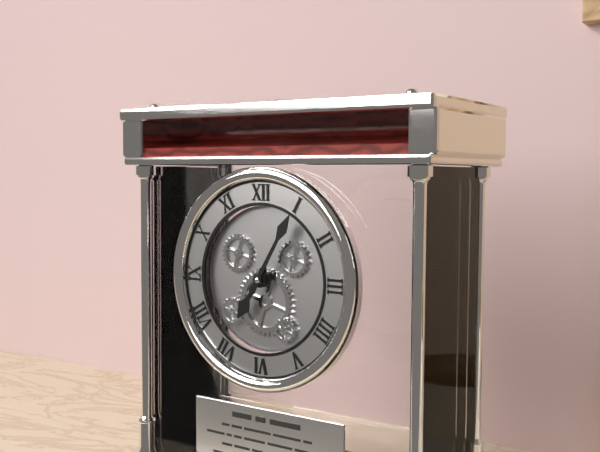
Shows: h=7 m=5
